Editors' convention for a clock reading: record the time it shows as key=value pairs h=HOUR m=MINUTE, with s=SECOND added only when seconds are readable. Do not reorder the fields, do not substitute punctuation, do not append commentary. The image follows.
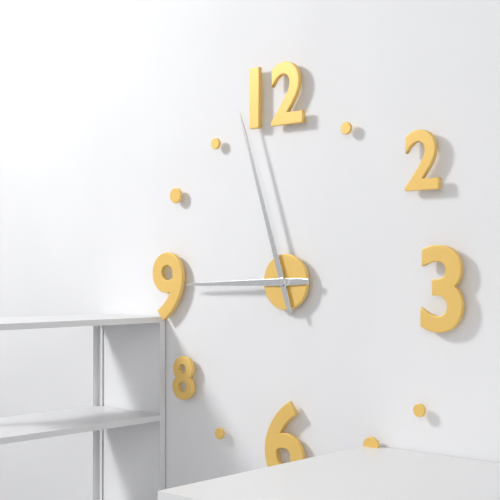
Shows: h=8 m=57
